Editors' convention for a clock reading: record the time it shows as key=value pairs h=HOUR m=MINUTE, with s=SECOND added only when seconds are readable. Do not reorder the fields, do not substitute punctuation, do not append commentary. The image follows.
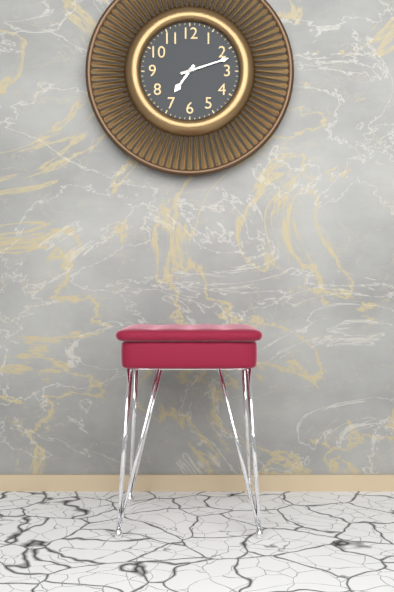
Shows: h=7 m=12
